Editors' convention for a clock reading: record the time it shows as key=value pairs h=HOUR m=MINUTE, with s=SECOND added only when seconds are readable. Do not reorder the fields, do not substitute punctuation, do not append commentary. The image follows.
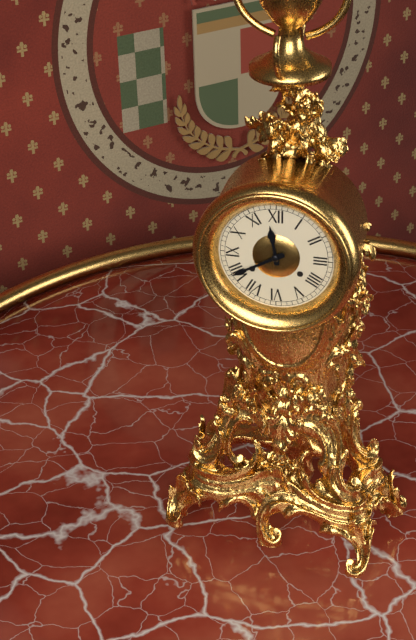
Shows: h=11 m=40
